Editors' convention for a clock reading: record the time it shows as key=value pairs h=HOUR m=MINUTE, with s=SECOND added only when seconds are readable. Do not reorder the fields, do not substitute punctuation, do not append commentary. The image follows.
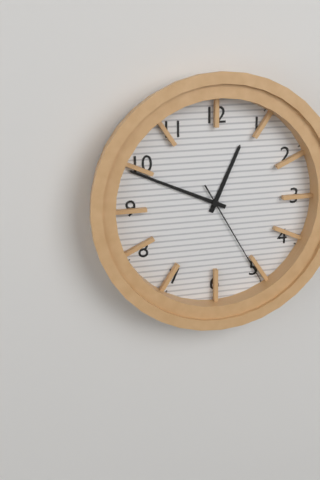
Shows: h=12 m=49 s=25
